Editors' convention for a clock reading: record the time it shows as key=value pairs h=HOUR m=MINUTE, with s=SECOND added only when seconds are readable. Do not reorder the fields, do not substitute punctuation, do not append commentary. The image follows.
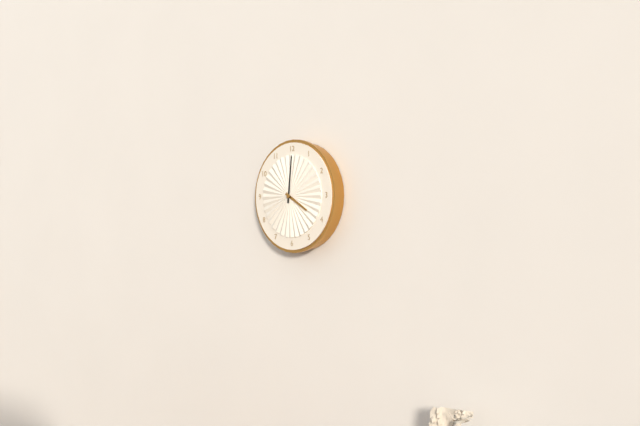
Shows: h=4 m=1
